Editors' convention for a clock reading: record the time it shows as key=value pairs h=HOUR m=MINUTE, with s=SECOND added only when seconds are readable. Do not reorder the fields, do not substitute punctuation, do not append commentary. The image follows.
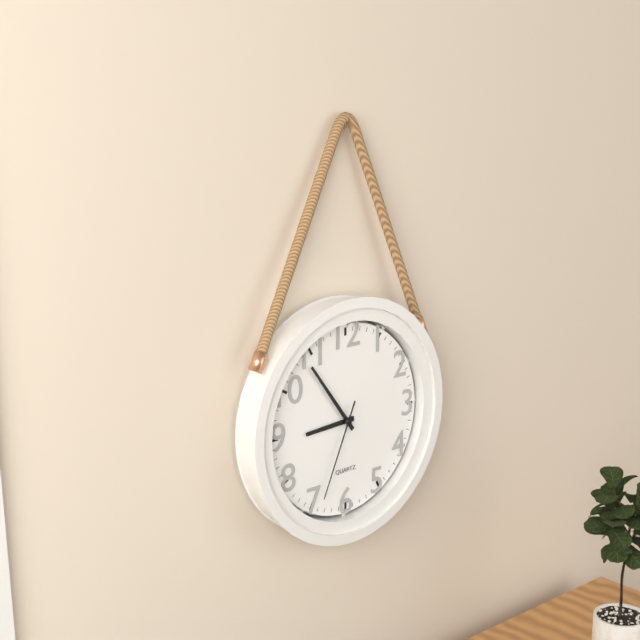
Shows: h=8 m=54 s=34
